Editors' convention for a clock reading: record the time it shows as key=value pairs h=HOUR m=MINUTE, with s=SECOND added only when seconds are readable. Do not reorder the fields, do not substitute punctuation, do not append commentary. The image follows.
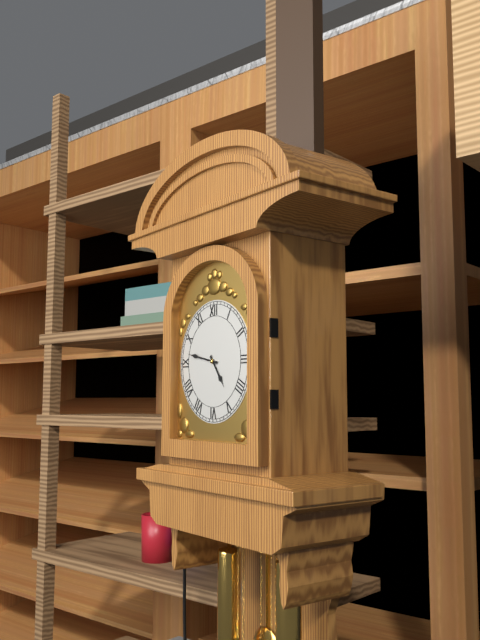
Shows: h=4 m=47
